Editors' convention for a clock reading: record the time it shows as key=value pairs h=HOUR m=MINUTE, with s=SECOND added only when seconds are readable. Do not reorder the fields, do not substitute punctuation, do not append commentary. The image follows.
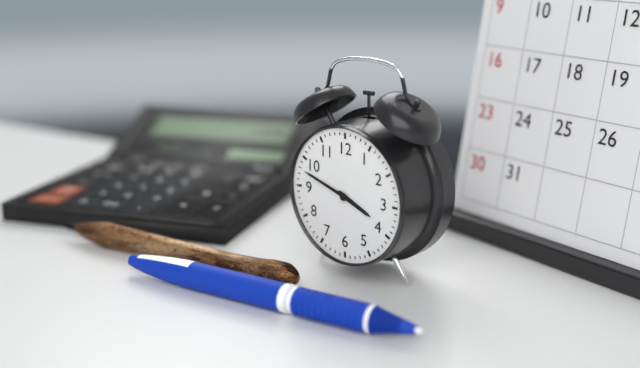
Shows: h=3 m=48
